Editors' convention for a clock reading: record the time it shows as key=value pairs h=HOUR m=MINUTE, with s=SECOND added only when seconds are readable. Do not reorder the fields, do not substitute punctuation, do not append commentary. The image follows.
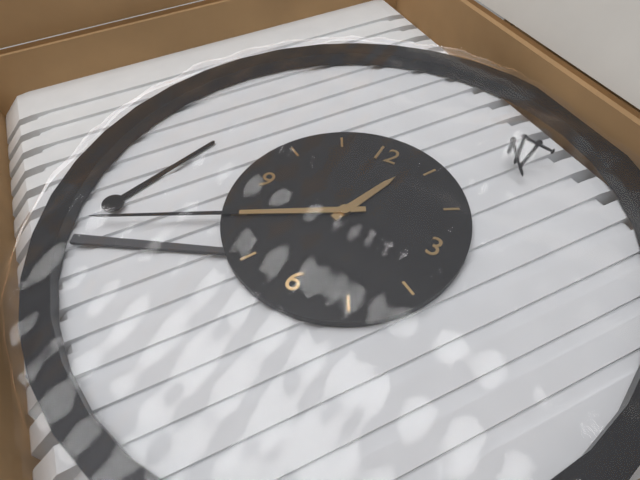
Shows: h=12 m=40
